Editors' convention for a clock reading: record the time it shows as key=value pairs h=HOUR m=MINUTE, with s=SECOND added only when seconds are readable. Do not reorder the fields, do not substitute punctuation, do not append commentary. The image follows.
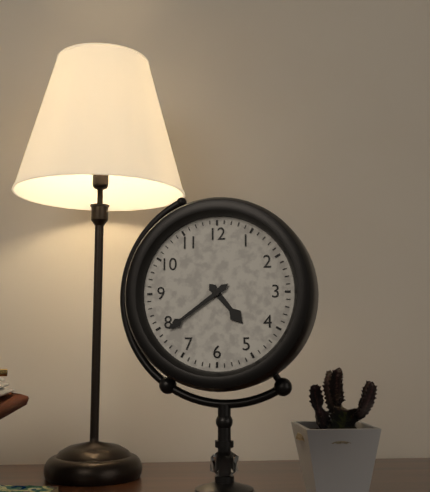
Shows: h=4 m=39
